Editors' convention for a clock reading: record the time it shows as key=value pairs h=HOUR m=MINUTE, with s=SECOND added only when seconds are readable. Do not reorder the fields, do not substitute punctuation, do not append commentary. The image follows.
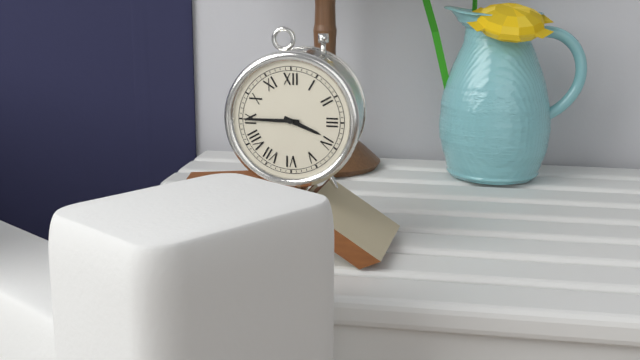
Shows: h=3 m=45
